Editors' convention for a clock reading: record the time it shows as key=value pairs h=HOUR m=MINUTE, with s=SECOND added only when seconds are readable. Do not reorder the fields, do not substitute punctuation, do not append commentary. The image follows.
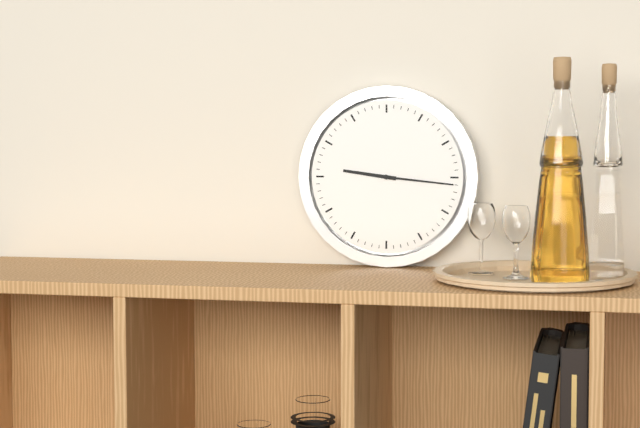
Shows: h=9 m=16
